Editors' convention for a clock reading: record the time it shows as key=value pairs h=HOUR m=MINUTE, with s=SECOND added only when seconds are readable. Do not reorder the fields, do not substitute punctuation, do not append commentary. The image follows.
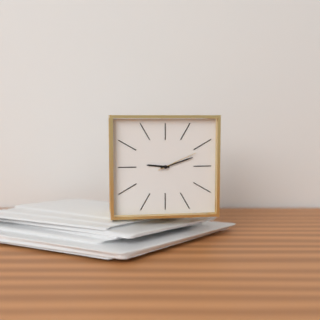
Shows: h=9 m=12
